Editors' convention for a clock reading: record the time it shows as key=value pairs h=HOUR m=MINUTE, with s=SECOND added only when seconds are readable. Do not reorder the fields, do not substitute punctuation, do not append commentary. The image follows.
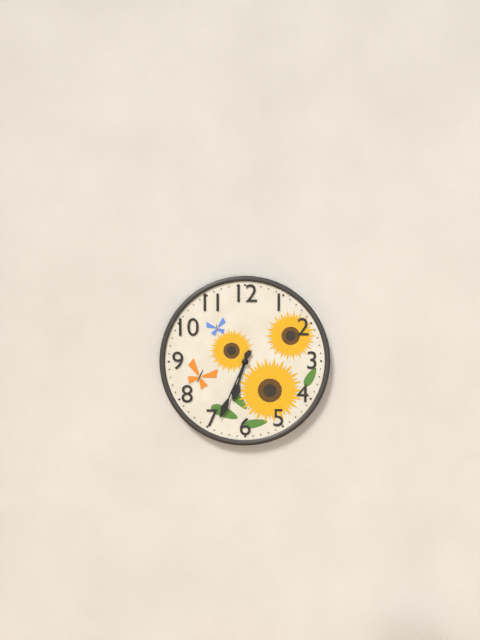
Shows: h=6 m=34
